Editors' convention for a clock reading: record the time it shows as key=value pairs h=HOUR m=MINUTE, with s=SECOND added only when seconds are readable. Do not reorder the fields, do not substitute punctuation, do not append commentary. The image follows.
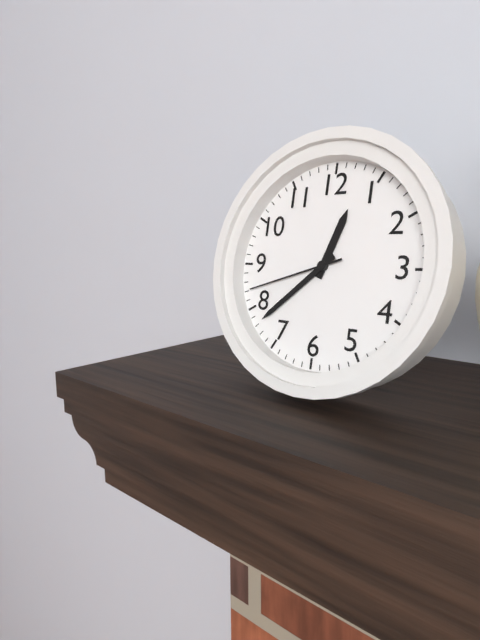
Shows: h=12 m=38 s=42
